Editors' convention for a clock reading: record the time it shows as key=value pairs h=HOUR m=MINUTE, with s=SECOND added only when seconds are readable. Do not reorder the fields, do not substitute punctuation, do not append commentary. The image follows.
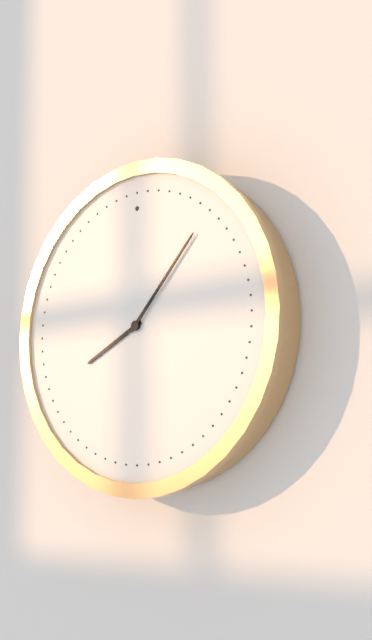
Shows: h=8 m=7
